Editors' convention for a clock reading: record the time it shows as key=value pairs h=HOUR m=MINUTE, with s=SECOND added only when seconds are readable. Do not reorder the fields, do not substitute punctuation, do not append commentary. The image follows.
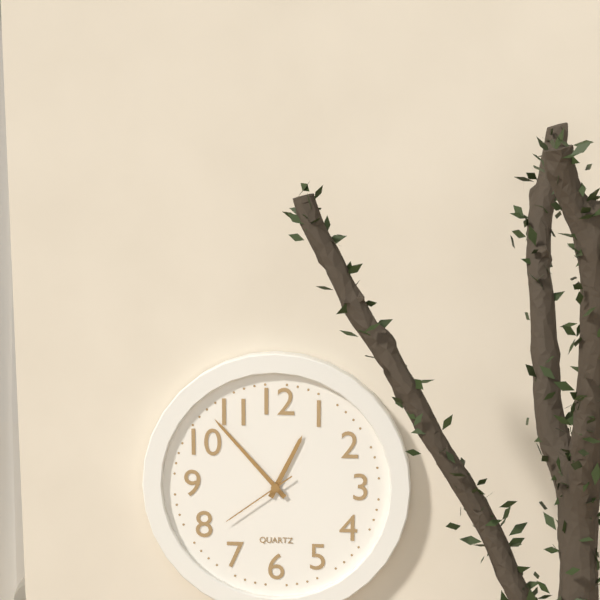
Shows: h=12 m=53 s=39
